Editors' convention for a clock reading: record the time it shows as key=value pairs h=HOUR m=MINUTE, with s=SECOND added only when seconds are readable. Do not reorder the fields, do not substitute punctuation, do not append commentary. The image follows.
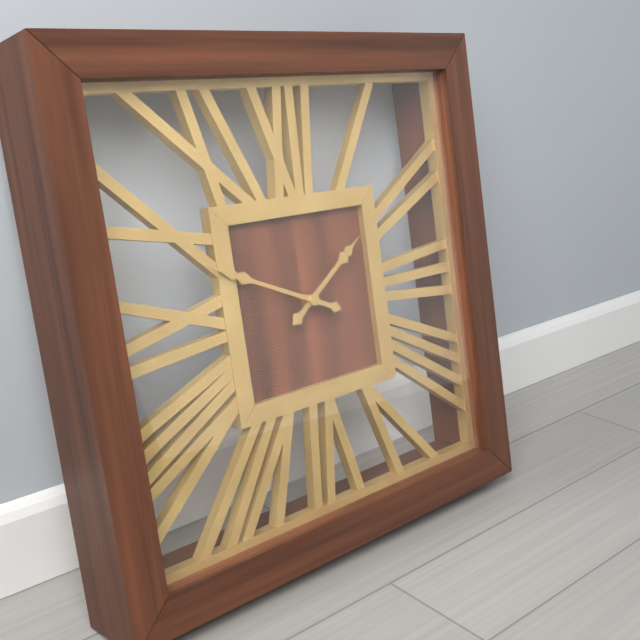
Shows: h=1 m=49
